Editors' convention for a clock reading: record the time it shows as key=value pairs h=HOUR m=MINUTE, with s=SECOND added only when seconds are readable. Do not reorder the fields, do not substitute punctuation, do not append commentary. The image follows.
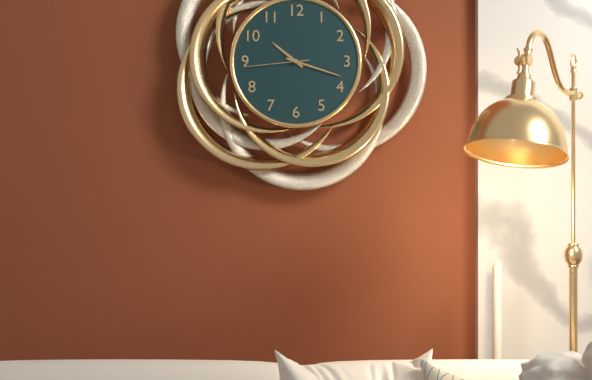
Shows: h=10 m=18 s=44
